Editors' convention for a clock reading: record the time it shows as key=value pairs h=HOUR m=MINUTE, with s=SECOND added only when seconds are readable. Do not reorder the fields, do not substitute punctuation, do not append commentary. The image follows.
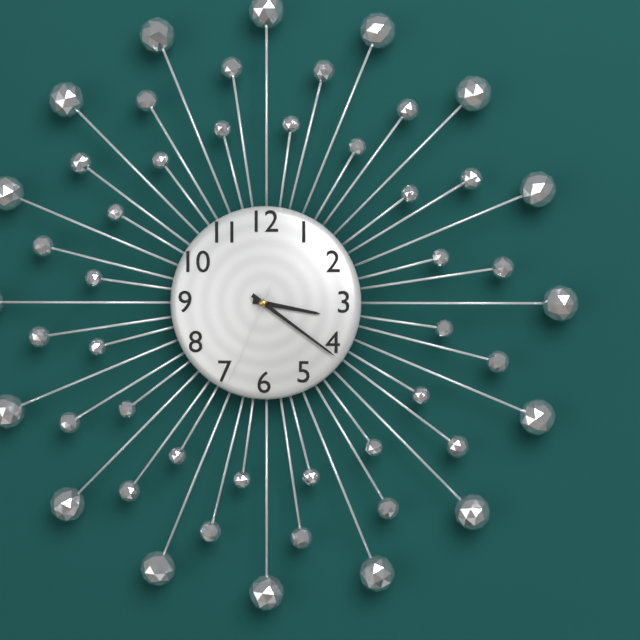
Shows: h=3 m=21 s=34
